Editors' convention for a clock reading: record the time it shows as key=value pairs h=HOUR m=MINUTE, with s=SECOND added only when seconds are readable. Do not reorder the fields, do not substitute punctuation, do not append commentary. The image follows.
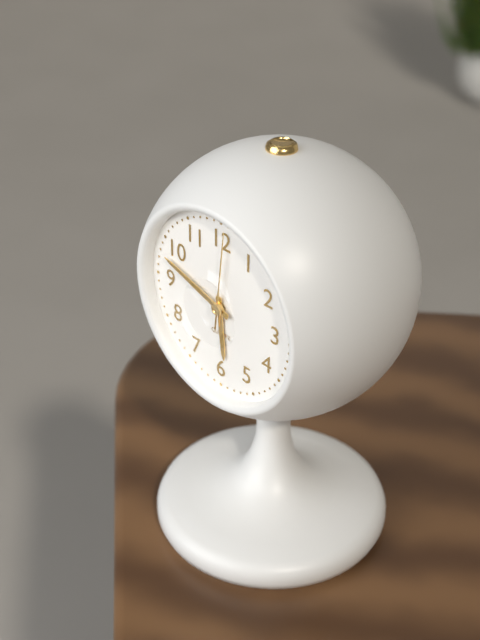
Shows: h=5 m=48 s=1
